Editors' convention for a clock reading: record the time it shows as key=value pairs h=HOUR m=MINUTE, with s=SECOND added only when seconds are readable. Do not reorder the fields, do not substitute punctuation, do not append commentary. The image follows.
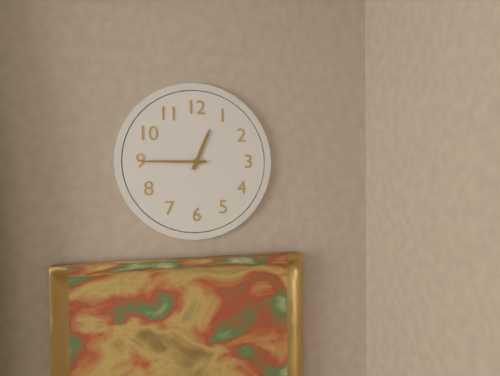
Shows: h=12 m=45
